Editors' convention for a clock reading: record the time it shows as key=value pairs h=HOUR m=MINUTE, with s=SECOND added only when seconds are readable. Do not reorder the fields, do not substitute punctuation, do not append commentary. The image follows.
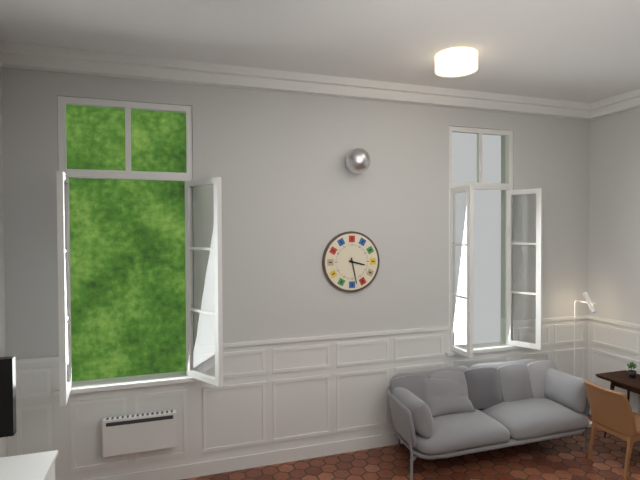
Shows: h=3 m=28
